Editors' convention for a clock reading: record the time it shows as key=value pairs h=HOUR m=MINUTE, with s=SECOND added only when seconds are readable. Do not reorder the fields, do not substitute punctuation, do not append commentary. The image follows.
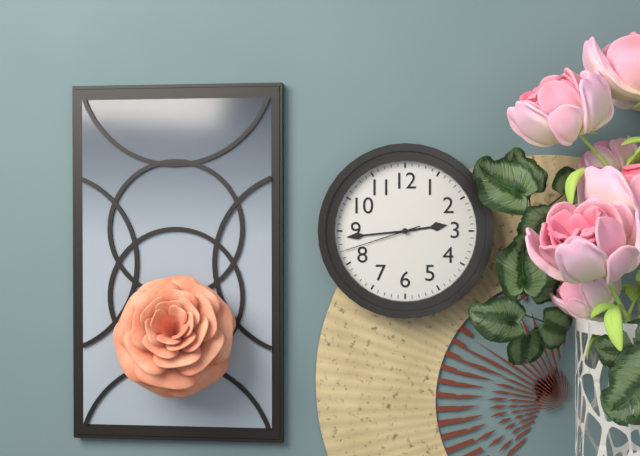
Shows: h=2 m=44 s=42
